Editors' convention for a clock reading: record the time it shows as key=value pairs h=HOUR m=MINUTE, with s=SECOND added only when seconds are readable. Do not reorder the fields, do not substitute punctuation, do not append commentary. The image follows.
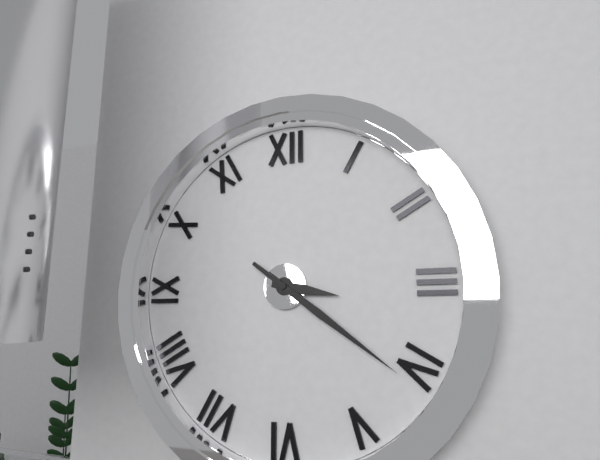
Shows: h=3 m=21
